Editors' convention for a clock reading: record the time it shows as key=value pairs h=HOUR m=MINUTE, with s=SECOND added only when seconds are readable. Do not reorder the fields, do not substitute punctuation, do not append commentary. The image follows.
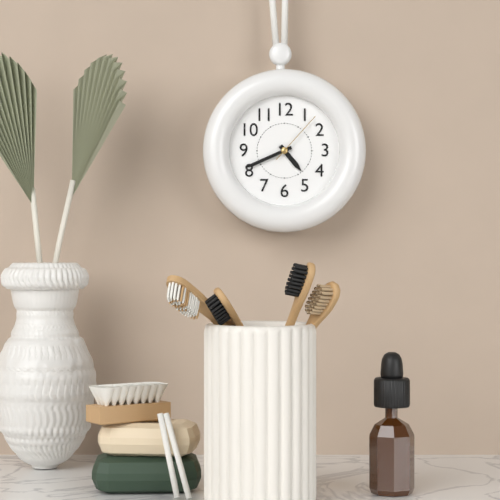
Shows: h=4 m=41 s=7
